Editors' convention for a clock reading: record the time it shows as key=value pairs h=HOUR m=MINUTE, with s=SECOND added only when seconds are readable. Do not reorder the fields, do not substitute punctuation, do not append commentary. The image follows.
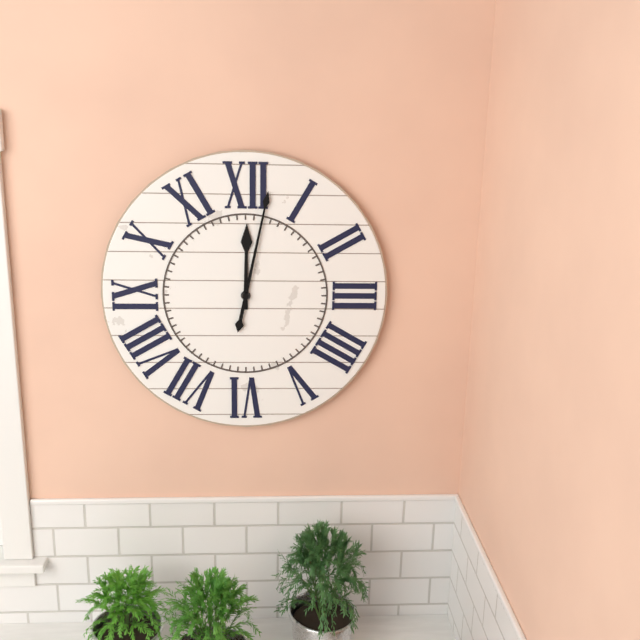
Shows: h=12 m=2
